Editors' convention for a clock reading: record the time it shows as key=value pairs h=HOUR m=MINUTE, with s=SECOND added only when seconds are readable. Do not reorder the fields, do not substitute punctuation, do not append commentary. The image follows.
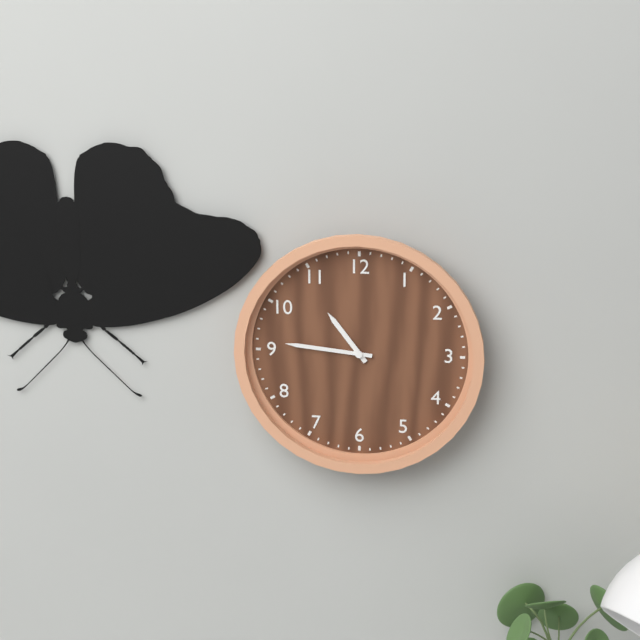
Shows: h=10 m=46
